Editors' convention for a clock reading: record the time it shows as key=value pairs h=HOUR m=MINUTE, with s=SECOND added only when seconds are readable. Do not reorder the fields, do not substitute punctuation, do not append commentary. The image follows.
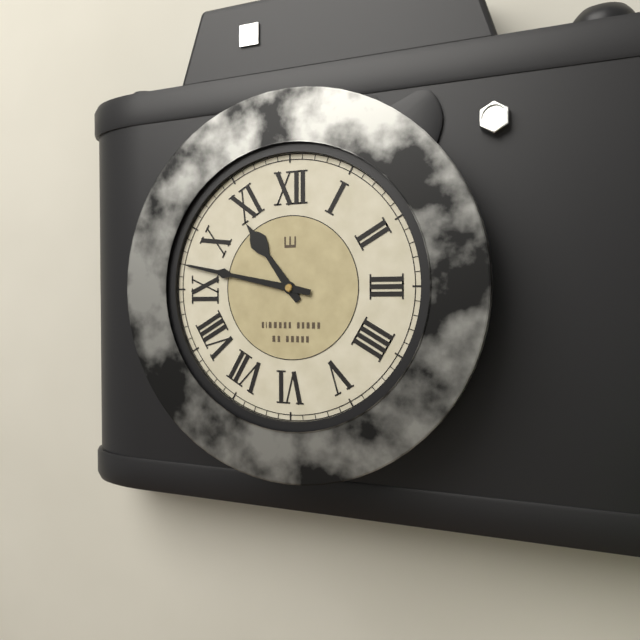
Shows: h=10 m=47
